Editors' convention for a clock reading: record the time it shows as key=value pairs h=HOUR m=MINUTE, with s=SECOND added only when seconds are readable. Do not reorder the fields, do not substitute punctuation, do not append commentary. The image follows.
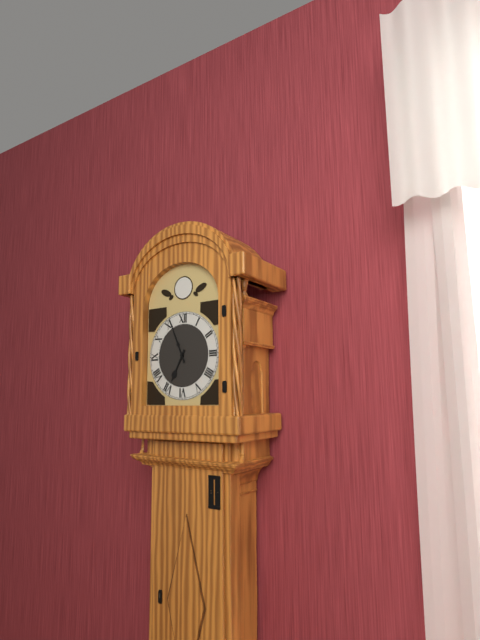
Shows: h=6 m=56
